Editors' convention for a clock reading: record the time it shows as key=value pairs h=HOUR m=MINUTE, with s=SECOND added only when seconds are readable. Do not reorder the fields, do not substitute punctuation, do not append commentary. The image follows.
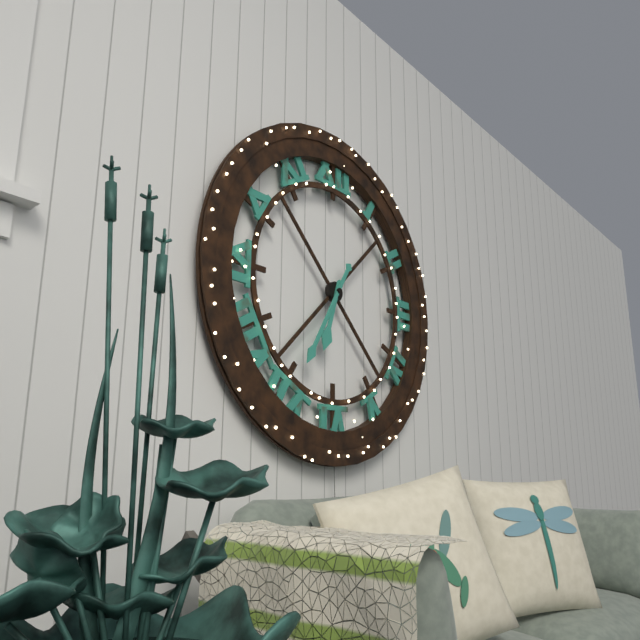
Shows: h=6 m=35
